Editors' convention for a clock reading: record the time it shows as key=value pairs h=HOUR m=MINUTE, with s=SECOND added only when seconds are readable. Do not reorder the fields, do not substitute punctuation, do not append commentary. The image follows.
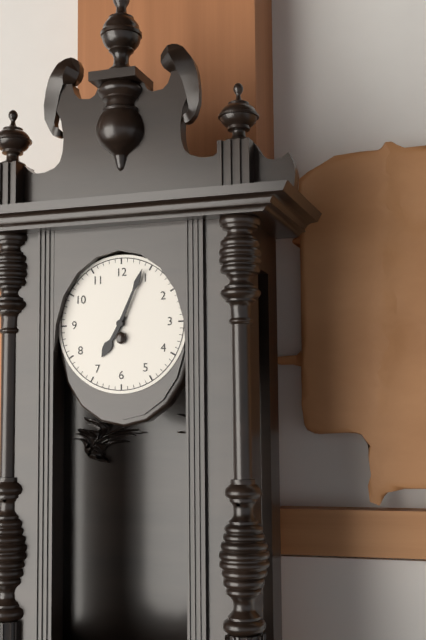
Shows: h=7 m=4
